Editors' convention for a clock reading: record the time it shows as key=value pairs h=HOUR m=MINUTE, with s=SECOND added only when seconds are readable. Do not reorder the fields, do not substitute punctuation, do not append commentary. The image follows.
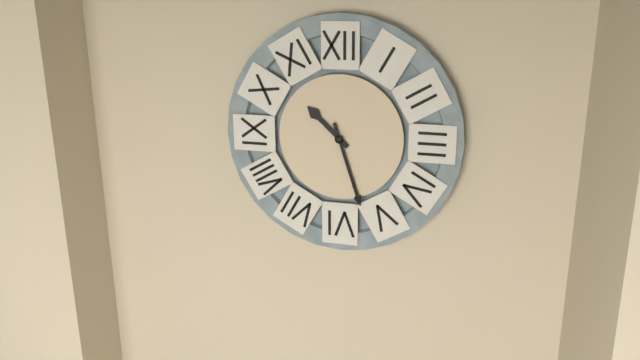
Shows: h=10 m=27
